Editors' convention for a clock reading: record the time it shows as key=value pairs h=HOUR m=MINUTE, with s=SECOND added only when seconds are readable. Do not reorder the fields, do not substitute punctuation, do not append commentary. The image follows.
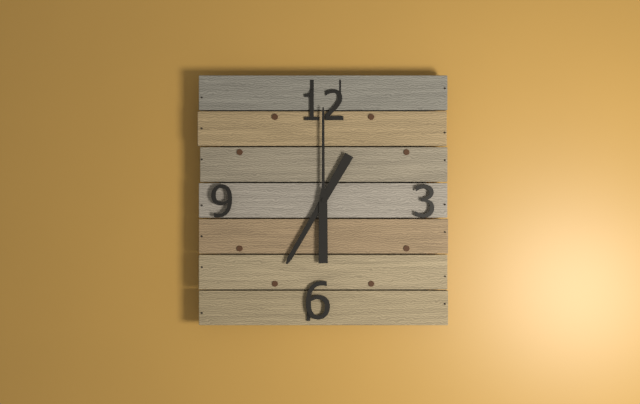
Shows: h=7 m=0
